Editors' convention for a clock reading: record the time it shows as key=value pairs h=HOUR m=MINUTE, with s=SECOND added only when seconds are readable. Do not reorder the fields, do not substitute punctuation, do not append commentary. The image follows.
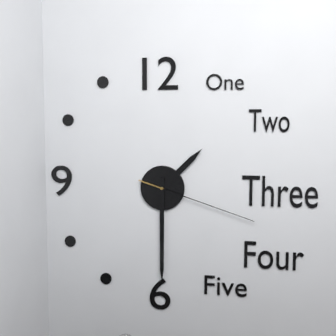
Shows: h=1 m=30 s=18
